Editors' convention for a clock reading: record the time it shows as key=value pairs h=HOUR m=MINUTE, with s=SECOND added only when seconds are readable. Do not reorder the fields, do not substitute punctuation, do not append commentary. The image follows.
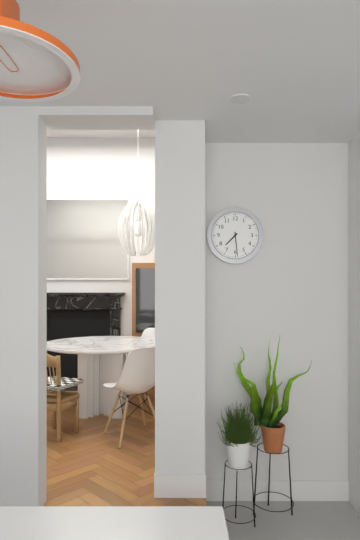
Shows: h=7 m=29
